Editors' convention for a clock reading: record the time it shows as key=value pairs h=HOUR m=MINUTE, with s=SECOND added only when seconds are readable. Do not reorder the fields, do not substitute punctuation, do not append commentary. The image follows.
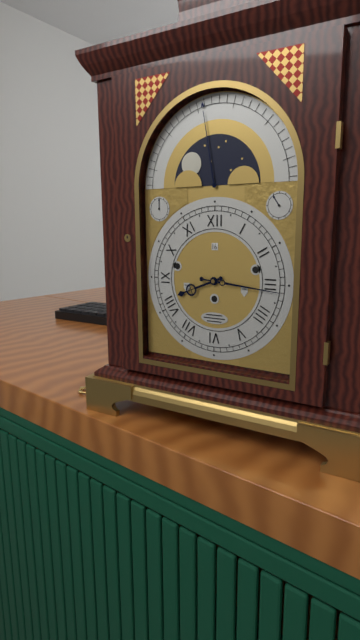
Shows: h=8 m=16
